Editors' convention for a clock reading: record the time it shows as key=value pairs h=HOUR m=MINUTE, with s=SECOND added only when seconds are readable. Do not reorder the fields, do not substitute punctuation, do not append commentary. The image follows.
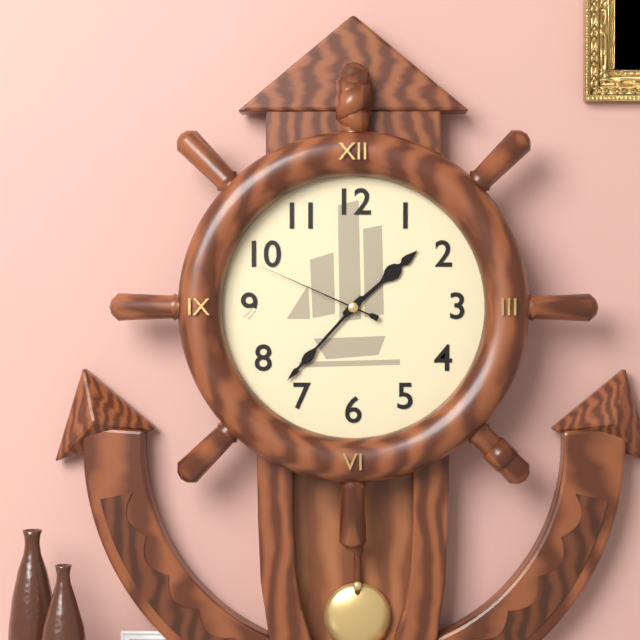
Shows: h=1 m=37 s=49
